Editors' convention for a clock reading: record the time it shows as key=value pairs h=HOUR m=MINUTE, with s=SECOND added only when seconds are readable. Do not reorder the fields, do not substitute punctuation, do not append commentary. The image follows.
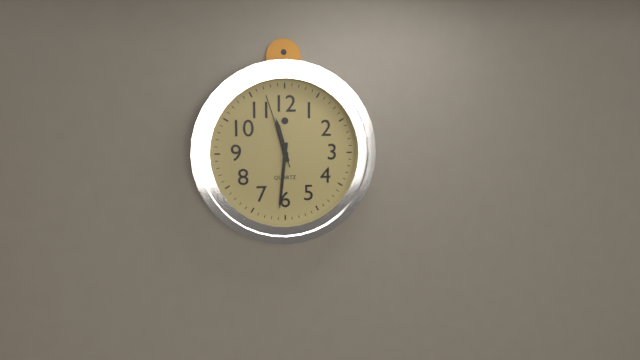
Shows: h=11 m=31 s=57
